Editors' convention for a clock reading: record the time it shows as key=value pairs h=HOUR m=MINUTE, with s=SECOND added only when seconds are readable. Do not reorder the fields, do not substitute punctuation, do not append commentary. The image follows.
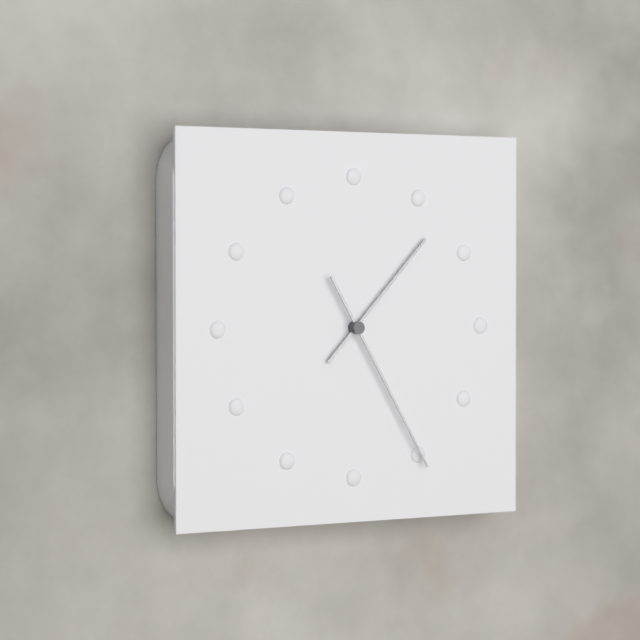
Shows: h=1 m=25
